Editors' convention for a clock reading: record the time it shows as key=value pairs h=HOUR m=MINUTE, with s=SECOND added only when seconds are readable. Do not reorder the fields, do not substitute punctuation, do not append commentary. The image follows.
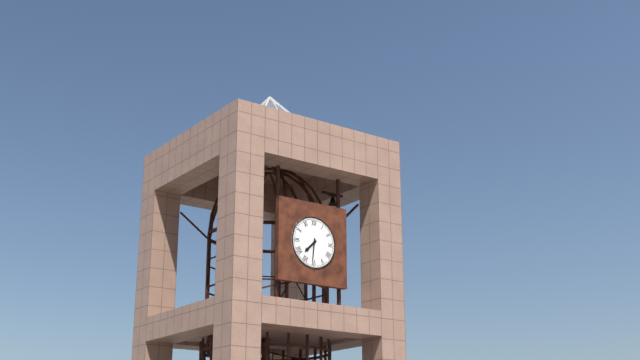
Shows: h=7 m=31
